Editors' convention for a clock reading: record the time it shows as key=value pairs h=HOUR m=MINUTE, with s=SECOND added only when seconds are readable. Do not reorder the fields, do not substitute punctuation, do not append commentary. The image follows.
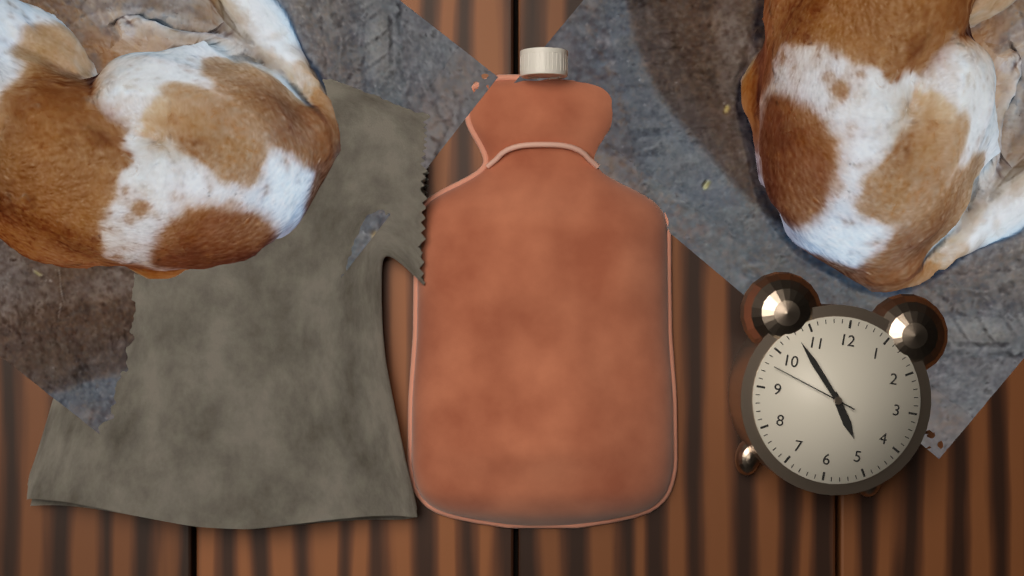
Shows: h=4 m=53 s=48
